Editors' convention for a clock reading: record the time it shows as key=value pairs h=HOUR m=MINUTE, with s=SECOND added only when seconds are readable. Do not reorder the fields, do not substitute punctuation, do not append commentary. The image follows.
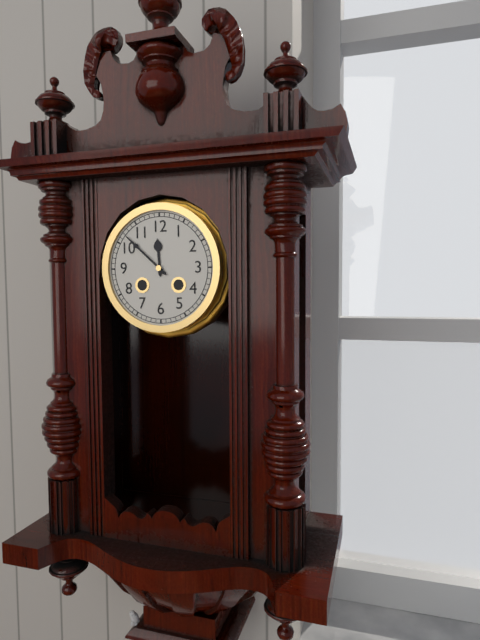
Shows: h=11 m=52
